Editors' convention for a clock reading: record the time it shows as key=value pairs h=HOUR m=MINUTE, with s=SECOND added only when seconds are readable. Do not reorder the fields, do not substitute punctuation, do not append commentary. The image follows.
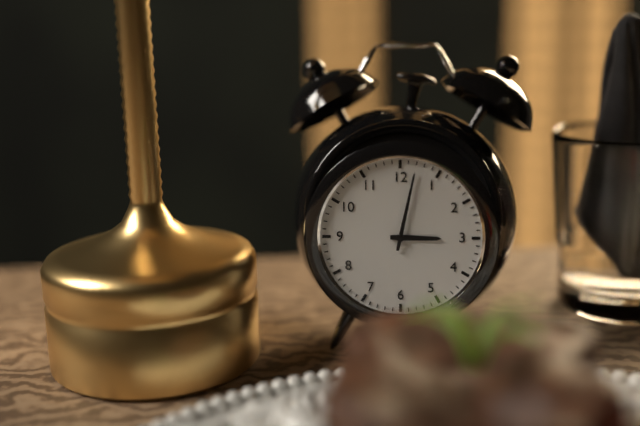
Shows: h=3 m=2
